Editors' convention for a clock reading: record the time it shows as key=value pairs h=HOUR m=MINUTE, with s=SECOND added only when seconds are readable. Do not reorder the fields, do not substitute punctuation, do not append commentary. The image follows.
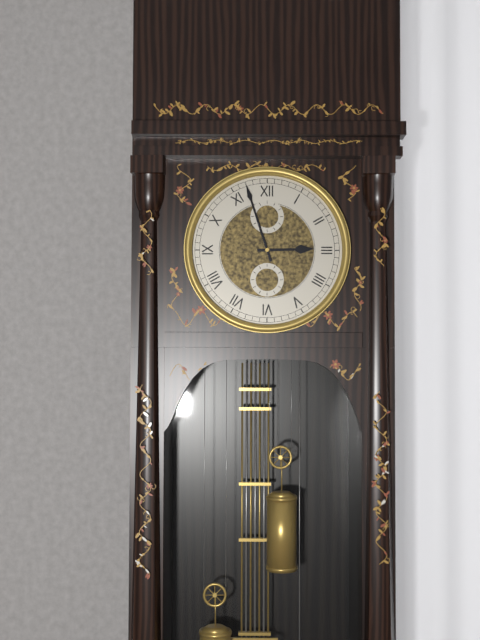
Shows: h=2 m=57
